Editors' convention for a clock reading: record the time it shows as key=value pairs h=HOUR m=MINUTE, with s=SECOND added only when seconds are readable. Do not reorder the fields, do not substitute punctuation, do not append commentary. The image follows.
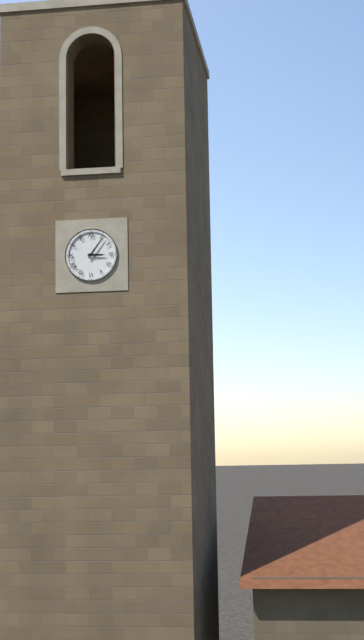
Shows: h=3 m=6
